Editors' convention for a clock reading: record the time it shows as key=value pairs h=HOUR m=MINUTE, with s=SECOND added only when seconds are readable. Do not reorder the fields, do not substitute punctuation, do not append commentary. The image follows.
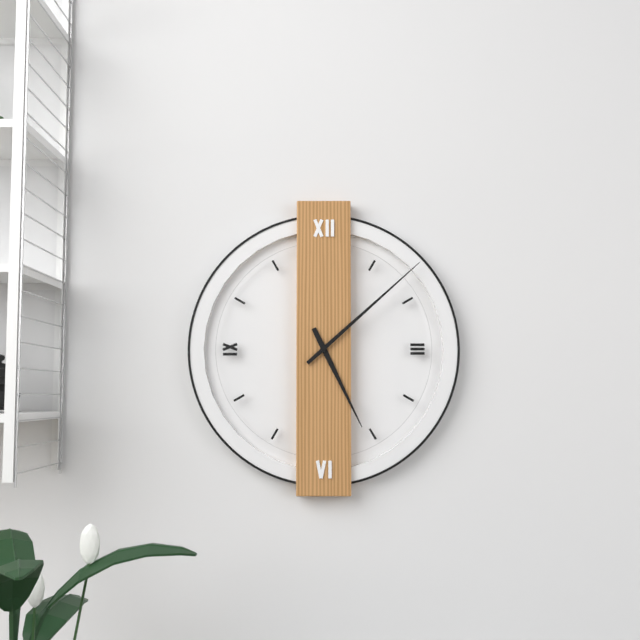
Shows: h=5 m=8
